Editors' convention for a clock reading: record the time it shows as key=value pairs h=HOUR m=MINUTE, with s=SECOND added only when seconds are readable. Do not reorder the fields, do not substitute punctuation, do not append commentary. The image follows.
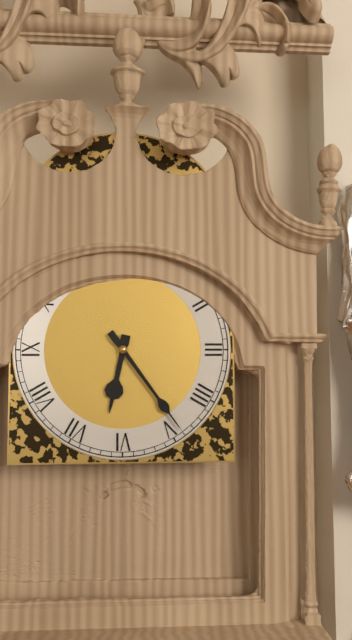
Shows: h=6 m=24
